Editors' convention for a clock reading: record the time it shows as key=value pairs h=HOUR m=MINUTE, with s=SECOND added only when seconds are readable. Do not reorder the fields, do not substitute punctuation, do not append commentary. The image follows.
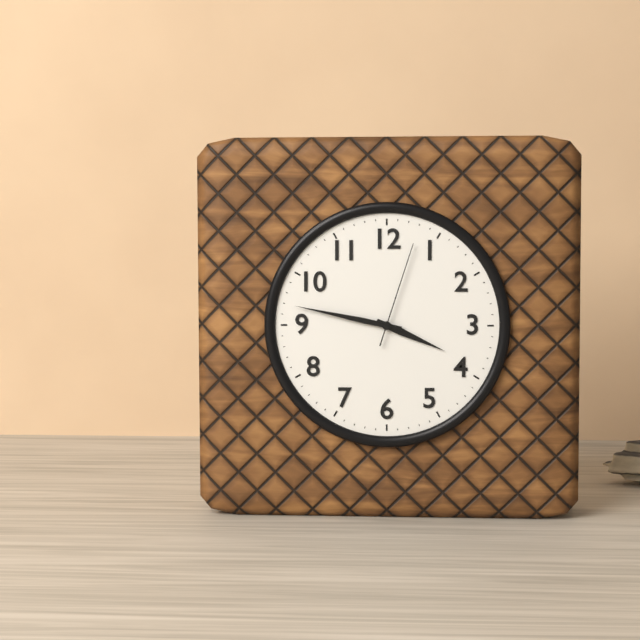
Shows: h=3 m=47 s=3
